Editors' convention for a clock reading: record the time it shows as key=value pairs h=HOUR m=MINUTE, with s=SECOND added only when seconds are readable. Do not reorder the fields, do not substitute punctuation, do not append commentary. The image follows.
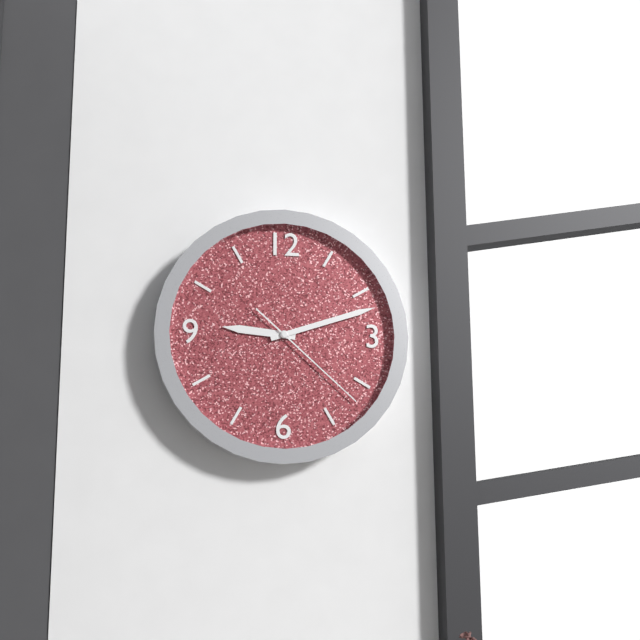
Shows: h=9 m=12 s=22
